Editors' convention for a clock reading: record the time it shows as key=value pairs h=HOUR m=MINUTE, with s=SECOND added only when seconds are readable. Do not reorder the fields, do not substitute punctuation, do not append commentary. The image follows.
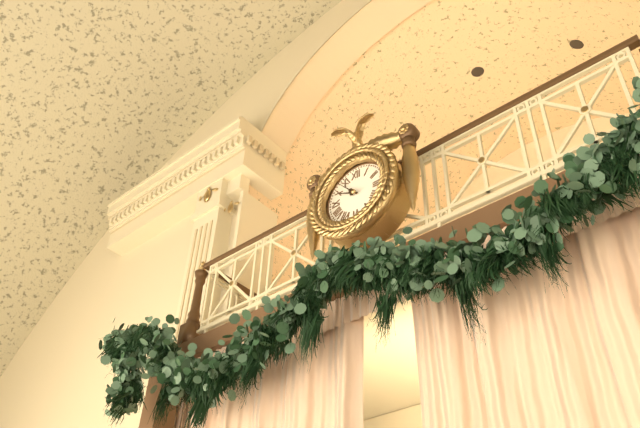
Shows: h=9 m=53
